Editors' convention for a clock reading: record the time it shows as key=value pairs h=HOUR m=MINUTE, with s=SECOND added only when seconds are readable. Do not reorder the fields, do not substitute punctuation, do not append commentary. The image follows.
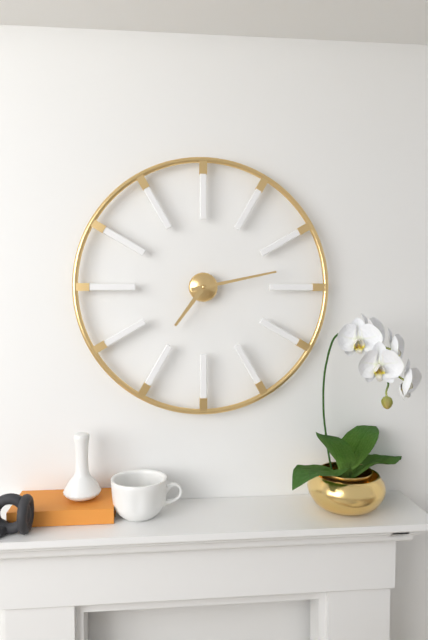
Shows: h=7 m=13
